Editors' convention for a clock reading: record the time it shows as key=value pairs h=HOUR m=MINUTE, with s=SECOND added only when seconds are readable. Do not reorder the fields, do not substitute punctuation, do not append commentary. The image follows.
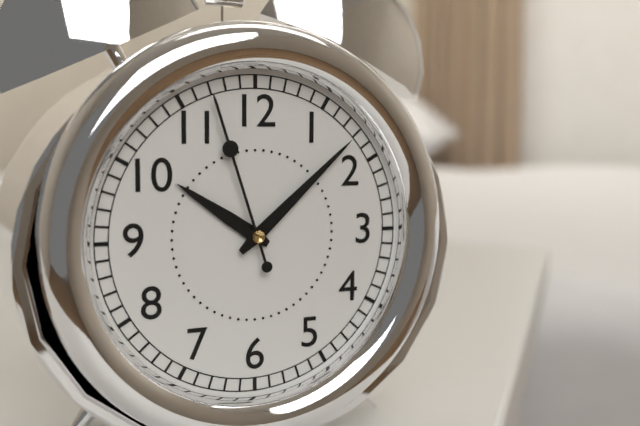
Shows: h=10 m=8 s=57
